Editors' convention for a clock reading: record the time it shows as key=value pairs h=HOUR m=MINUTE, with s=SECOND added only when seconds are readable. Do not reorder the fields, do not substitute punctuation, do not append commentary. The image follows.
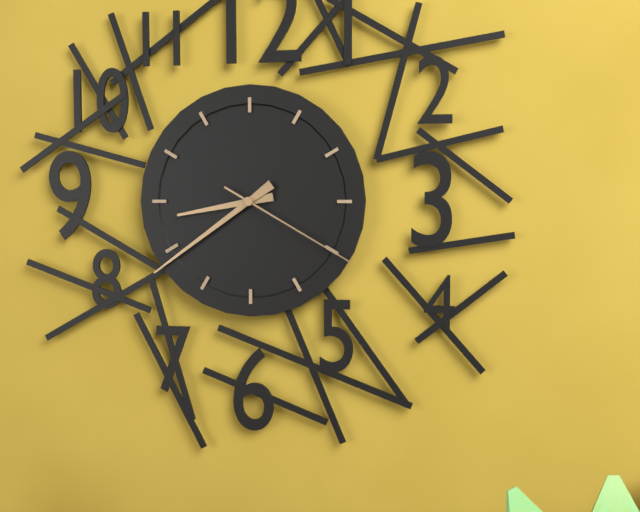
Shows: h=8 m=39 s=20
